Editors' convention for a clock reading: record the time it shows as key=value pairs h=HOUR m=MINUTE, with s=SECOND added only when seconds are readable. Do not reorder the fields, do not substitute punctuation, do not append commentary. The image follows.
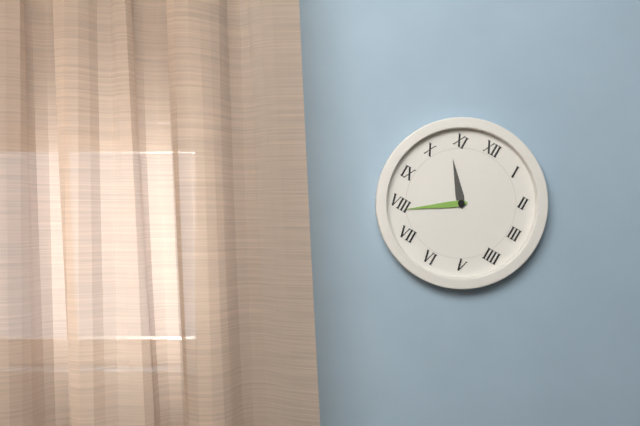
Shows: h=10 m=39
